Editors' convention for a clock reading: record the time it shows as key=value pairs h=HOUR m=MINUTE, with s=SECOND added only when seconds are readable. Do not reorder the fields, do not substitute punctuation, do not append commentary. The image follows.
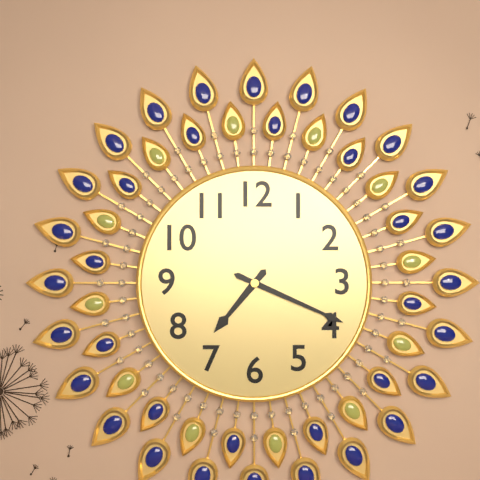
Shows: h=7 m=19
